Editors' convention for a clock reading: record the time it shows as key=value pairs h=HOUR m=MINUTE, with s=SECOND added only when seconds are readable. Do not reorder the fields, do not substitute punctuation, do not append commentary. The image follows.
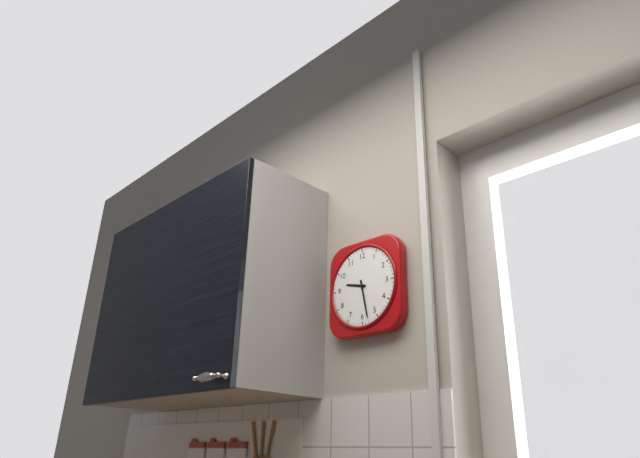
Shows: h=9 m=28
